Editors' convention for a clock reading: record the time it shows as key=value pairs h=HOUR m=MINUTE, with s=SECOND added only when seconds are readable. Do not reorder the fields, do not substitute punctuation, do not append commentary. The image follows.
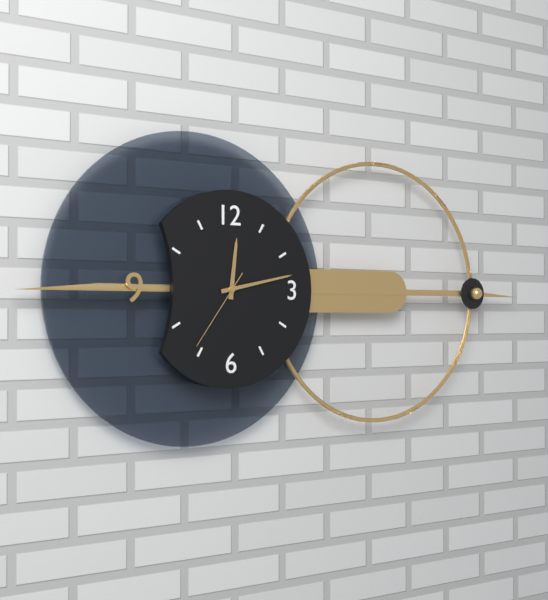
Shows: h=12 m=13 s=36
